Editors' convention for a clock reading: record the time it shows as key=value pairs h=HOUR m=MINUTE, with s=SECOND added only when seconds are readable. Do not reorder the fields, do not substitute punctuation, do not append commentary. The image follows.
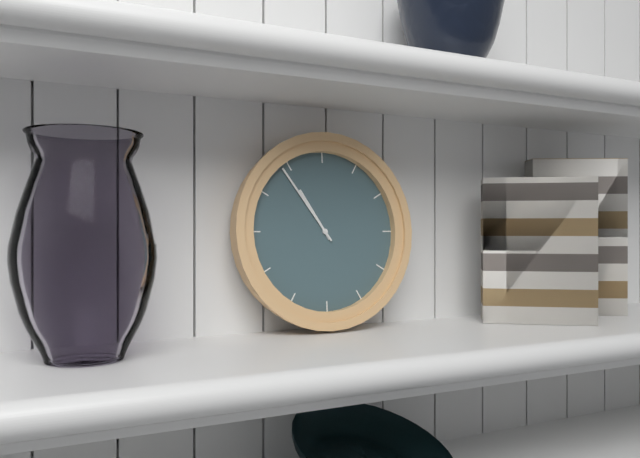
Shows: h=10 m=54
